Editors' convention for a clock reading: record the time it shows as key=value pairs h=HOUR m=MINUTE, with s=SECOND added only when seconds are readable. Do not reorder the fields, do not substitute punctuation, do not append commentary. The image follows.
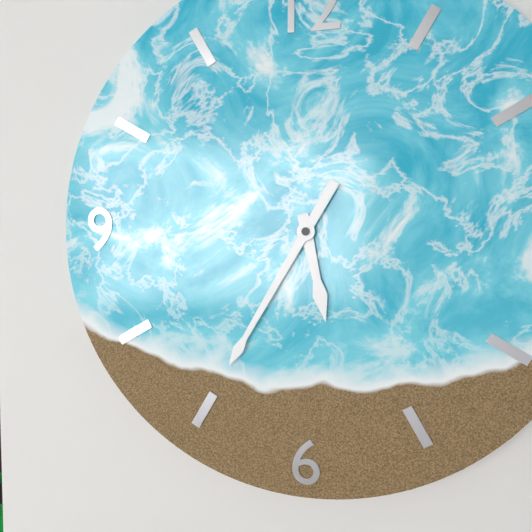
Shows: h=5 m=35
